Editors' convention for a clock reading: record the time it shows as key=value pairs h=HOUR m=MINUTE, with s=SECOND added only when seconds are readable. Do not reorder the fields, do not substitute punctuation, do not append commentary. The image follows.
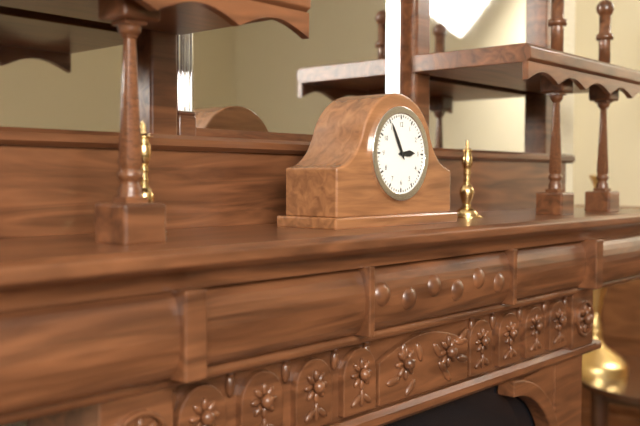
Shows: h=2 m=55
